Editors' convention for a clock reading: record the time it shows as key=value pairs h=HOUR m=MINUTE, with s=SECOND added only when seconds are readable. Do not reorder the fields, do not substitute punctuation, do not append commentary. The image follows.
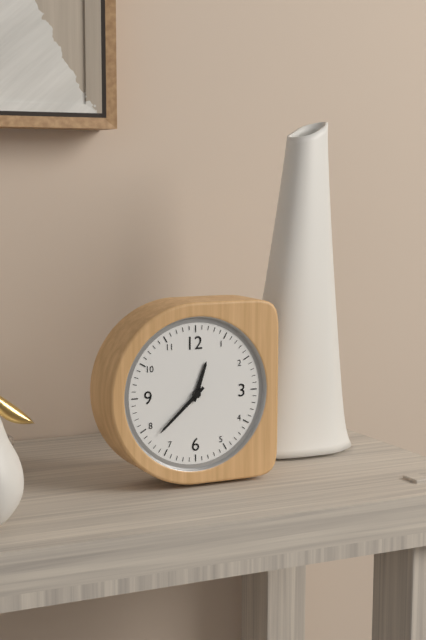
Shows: h=12 m=38
